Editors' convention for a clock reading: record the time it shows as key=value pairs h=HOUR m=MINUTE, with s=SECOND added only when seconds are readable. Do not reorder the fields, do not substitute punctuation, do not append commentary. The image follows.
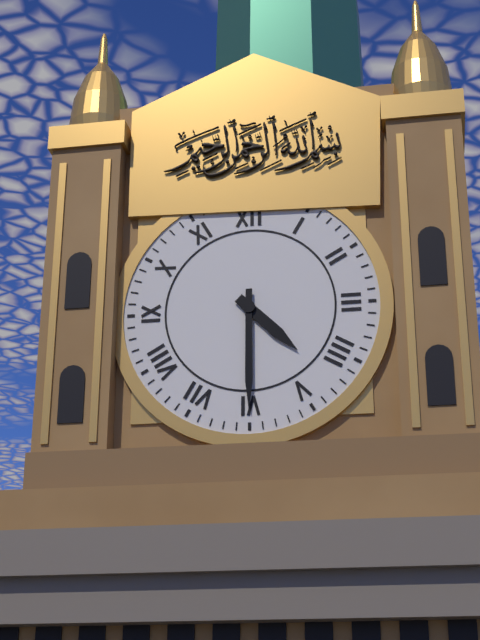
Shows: h=4 m=30
